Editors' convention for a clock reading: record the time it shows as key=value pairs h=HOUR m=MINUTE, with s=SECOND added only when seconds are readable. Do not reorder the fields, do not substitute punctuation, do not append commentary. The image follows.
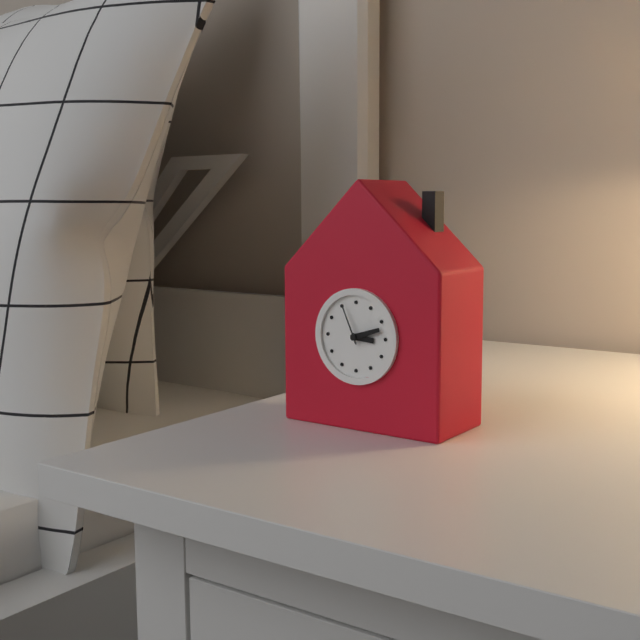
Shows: h=3 m=12
